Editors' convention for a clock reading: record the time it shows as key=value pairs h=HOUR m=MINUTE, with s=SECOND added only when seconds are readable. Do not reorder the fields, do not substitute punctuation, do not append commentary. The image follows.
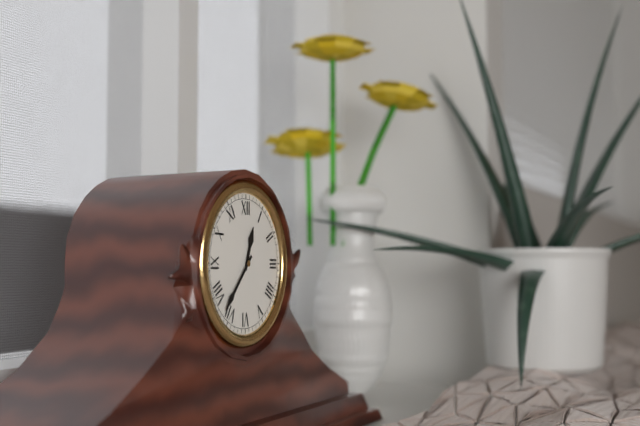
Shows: h=12 m=37
